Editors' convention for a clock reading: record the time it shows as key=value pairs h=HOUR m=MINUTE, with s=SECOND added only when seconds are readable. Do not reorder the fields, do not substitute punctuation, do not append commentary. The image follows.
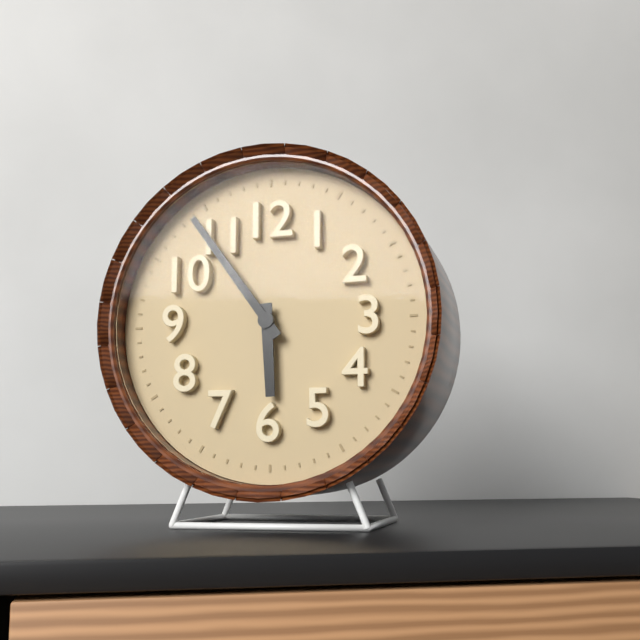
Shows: h=5 m=54
